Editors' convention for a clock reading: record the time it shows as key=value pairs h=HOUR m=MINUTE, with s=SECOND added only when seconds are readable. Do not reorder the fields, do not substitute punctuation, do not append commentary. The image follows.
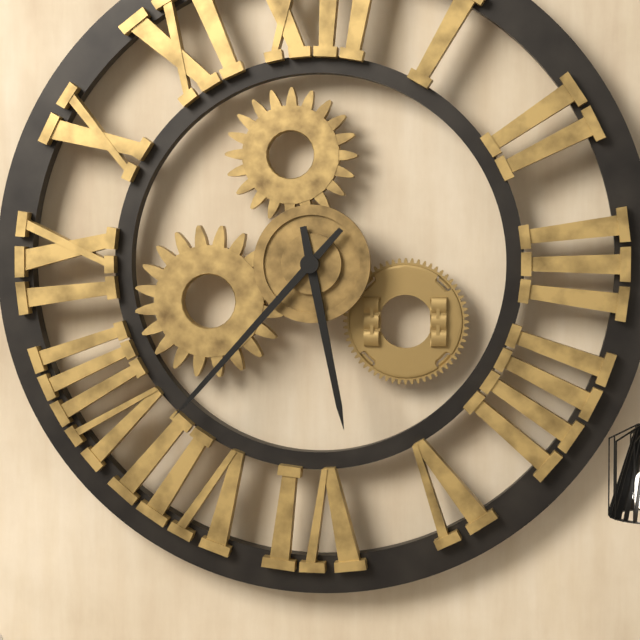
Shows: h=5 m=37
